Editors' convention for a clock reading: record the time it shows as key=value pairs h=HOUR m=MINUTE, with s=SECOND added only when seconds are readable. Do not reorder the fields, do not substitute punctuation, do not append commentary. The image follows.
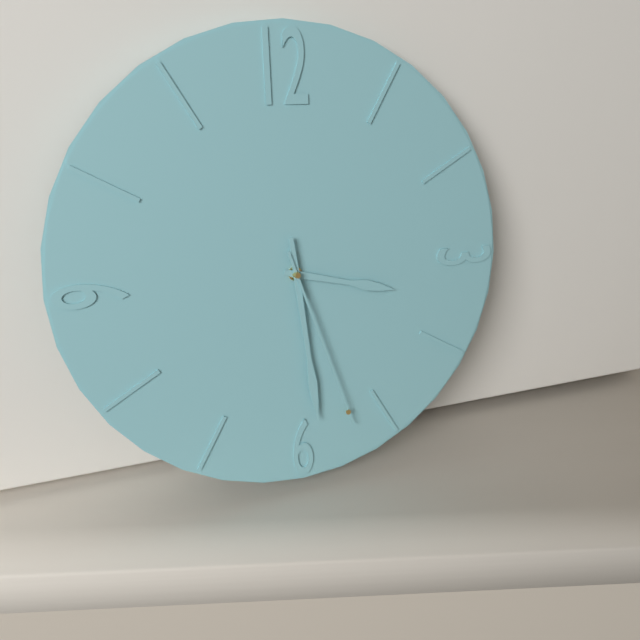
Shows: h=3 m=29 s=27
